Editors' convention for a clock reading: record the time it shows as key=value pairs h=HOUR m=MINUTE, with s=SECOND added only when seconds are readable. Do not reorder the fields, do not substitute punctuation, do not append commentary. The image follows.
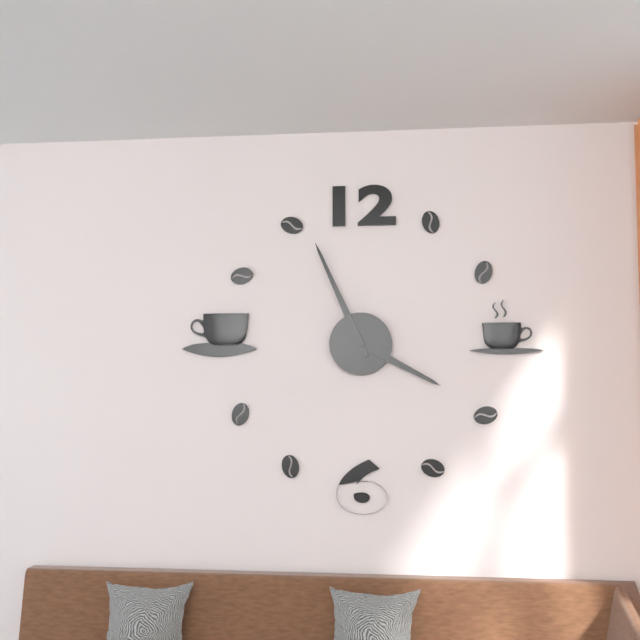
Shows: h=3 m=56
